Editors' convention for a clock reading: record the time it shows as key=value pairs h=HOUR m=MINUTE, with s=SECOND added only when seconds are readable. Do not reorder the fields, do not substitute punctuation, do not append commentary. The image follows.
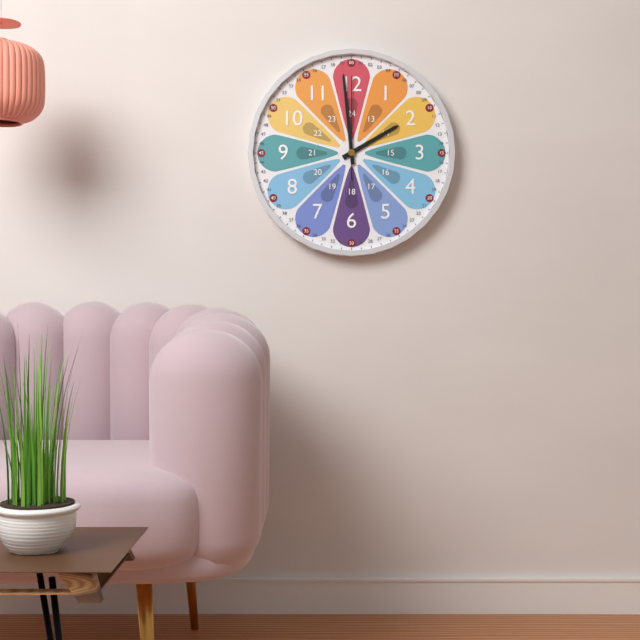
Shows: h=1 m=59 s=0
